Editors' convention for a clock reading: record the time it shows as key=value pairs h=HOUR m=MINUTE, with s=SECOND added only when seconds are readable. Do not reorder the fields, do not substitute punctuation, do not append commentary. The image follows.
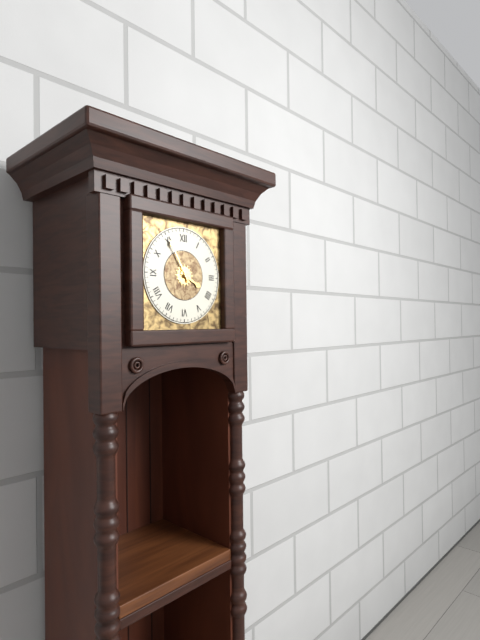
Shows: h=3 m=55
